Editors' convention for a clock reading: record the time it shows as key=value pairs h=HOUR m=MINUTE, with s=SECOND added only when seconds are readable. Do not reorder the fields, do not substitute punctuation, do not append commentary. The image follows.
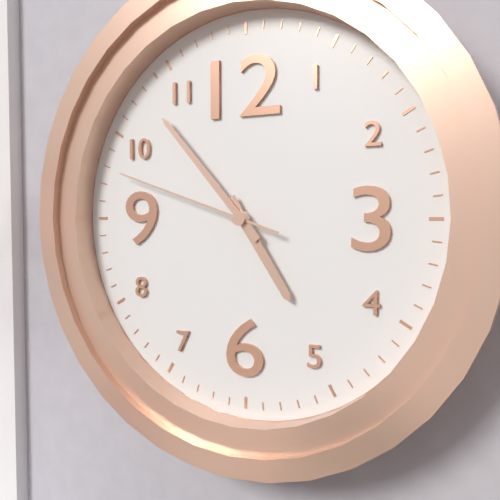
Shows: h=4 m=53 s=48
